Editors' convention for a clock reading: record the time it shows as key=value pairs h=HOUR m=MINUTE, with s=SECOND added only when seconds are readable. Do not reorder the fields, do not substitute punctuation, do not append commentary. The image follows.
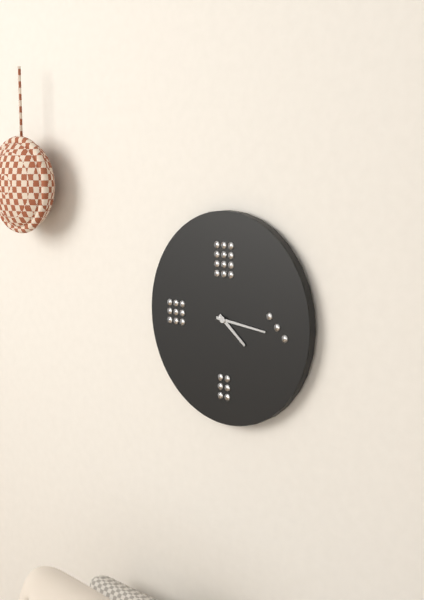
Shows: h=4 m=16
